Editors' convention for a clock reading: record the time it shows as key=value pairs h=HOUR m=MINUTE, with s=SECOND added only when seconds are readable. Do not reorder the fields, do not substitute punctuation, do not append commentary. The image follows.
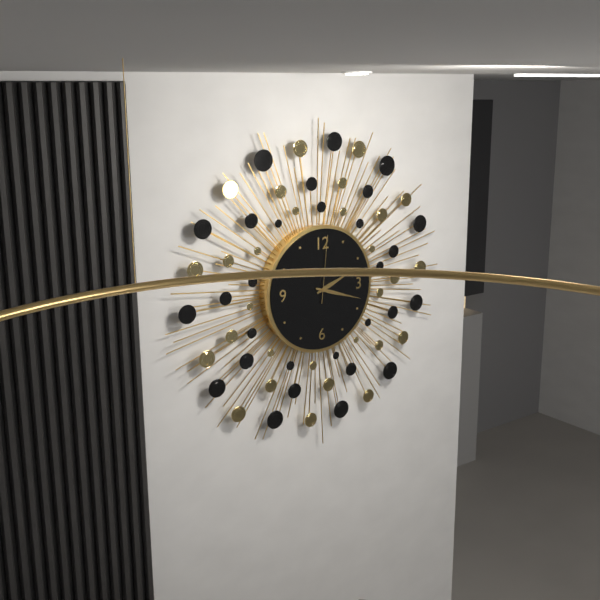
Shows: h=2 m=18 s=1
